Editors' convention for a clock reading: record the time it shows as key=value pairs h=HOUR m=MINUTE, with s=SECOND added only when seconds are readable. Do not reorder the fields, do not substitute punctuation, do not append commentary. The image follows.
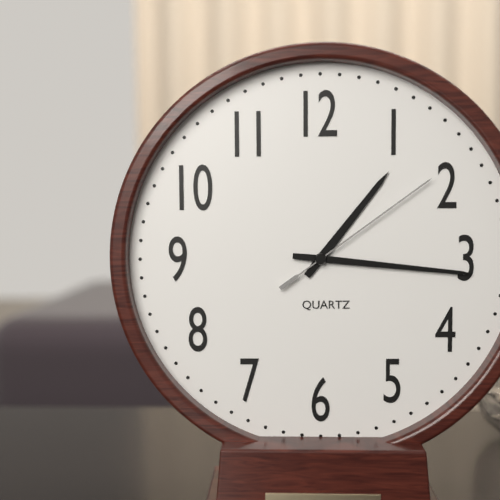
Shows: h=1 m=16 s=9
